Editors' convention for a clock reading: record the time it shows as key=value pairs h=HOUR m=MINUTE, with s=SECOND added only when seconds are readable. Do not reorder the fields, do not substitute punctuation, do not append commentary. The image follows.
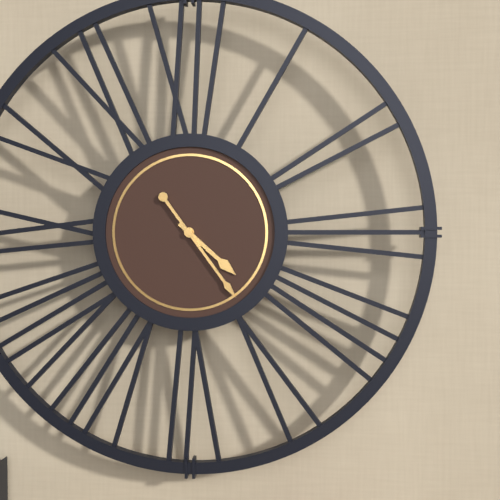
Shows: h=4 m=24
